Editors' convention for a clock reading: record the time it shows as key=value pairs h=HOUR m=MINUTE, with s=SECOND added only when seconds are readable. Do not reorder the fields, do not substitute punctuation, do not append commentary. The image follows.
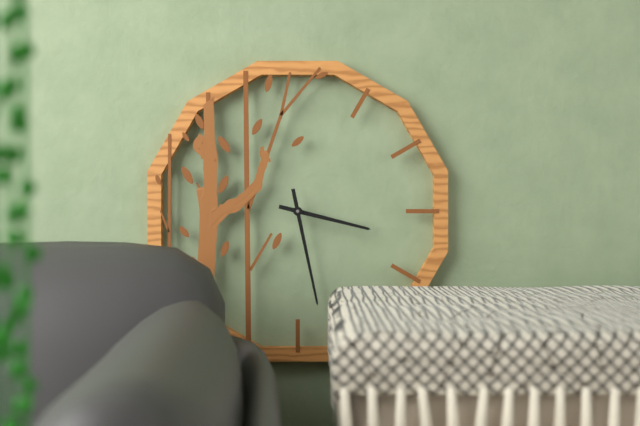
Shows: h=3 m=28
